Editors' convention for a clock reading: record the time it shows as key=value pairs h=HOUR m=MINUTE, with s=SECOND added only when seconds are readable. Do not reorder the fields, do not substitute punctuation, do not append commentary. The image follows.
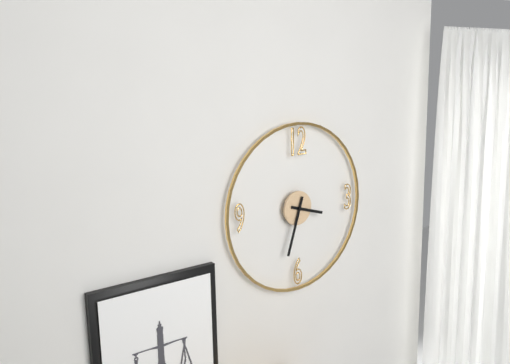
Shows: h=3 m=33
